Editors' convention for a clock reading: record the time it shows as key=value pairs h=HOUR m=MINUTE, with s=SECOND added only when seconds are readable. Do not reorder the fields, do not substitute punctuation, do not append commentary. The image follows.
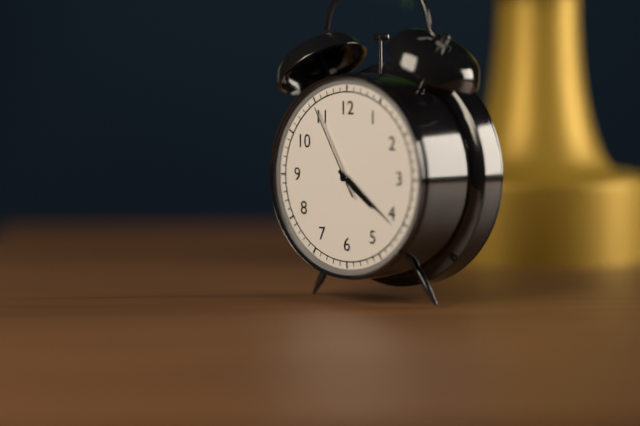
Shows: h=4 m=21 s=55
